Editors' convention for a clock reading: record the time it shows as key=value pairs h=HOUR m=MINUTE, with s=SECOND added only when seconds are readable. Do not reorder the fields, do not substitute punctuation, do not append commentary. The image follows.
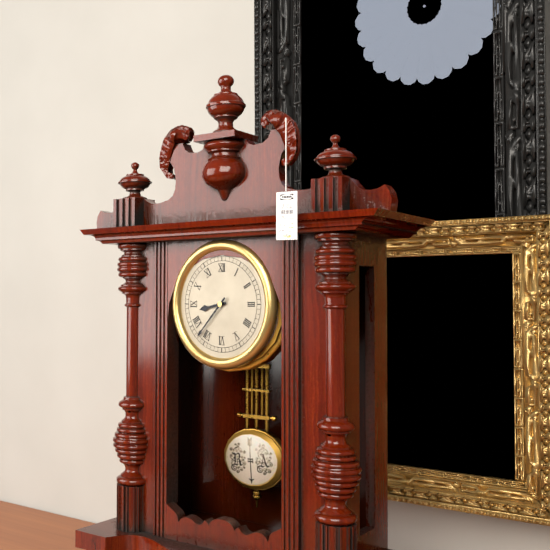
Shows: h=8 m=37
